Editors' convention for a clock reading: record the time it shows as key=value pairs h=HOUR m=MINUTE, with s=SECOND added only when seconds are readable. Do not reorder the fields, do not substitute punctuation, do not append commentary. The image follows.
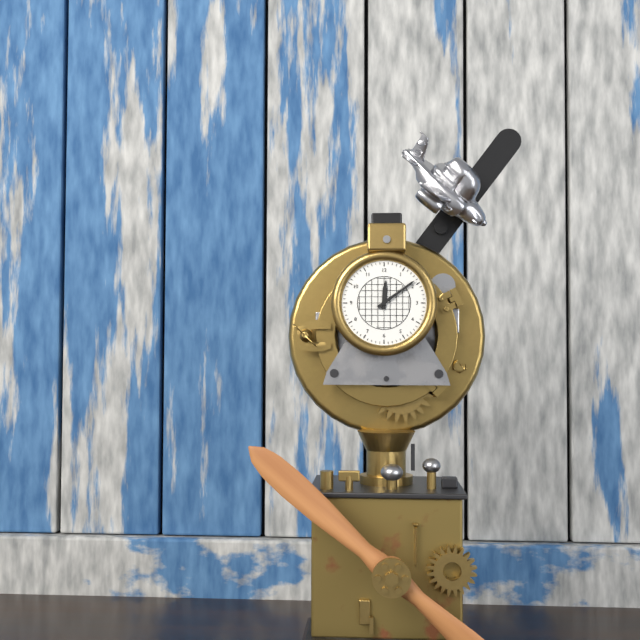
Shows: h=12 m=9
